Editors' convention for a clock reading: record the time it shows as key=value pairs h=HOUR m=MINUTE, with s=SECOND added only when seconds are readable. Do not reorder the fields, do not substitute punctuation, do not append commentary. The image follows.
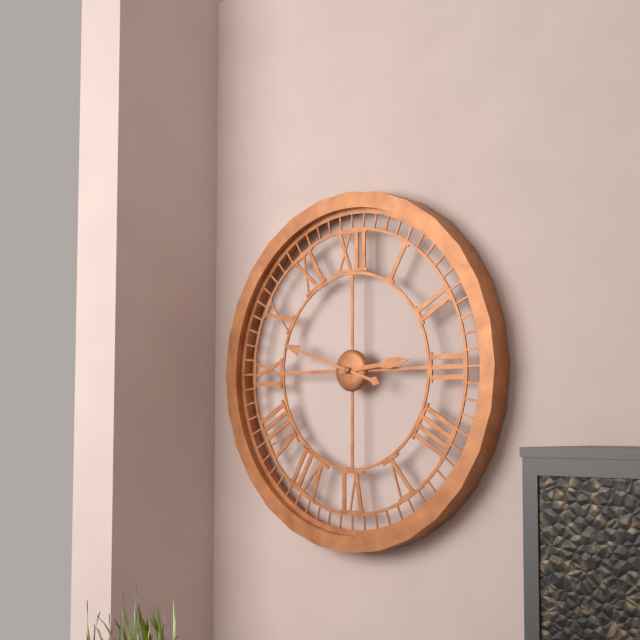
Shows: h=2 m=48
